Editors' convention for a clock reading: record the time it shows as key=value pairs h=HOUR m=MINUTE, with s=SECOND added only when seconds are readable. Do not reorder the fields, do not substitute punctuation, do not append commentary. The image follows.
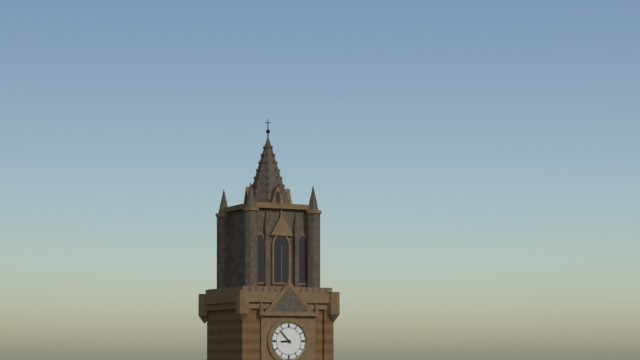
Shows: h=8 m=53
